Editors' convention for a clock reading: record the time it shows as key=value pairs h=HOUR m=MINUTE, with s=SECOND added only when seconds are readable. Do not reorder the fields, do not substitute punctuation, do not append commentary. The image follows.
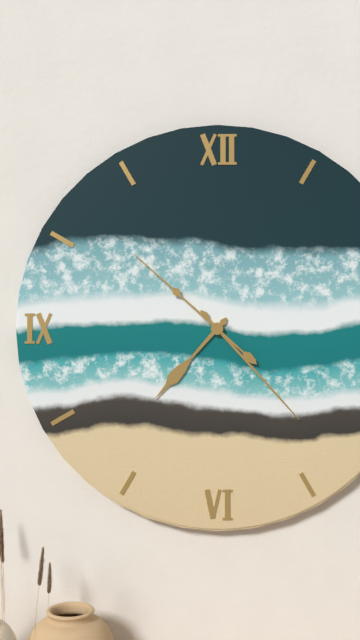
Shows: h=7 m=23 s=52
